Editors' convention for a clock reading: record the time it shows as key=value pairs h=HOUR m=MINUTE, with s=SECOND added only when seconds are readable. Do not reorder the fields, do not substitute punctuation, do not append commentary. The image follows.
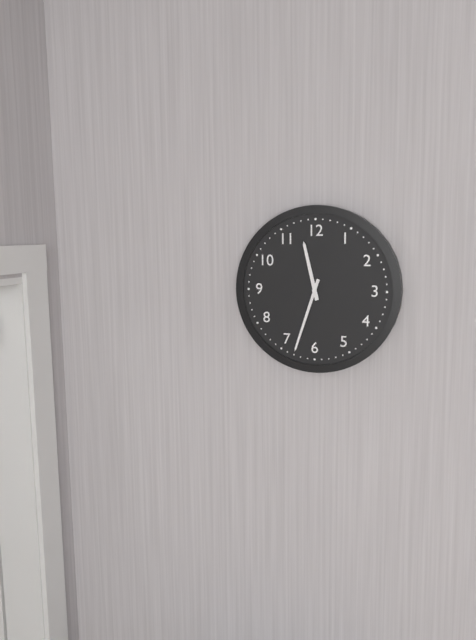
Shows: h=11 m=33
